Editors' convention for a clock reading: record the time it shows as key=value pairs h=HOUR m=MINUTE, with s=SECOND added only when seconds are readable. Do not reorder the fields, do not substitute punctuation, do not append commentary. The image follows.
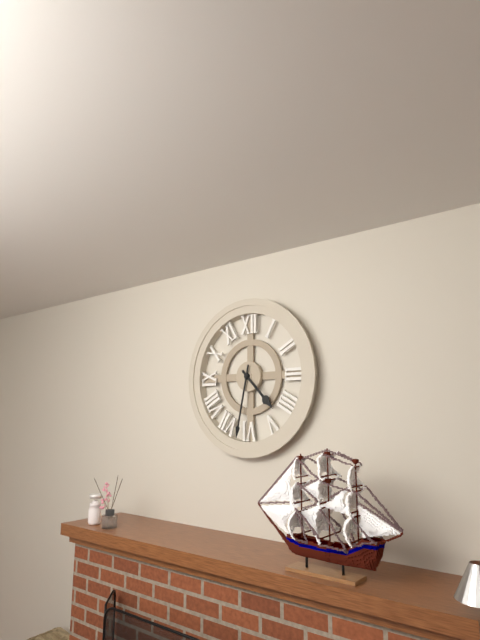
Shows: h=4 m=32
